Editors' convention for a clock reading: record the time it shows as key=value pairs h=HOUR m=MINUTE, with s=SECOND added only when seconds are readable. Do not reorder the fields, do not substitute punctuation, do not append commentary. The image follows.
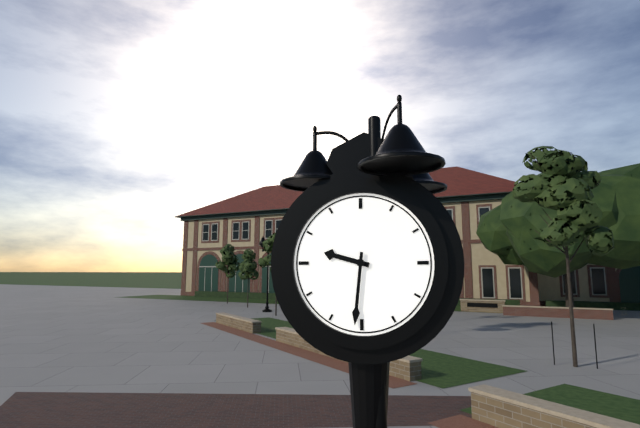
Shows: h=9 m=31
